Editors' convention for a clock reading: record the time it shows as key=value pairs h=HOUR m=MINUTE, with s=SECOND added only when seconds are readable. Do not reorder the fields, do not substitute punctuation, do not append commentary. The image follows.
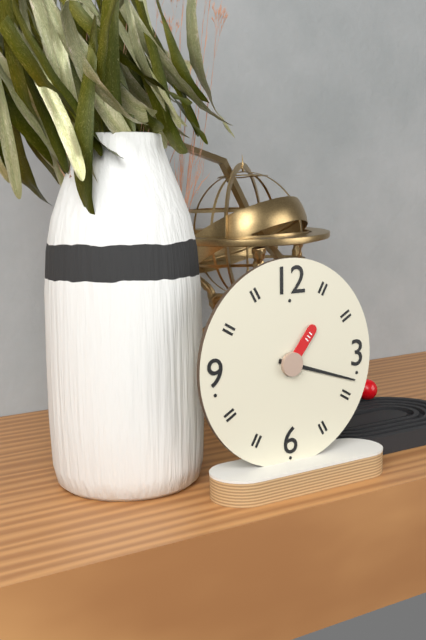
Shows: h=1 m=18
